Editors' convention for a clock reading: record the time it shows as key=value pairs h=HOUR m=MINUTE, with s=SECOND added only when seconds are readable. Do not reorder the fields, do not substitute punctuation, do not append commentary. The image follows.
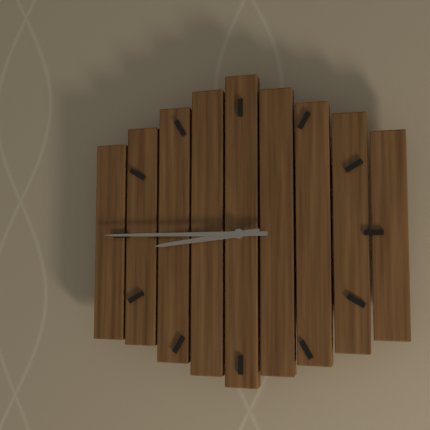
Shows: h=8 m=45
